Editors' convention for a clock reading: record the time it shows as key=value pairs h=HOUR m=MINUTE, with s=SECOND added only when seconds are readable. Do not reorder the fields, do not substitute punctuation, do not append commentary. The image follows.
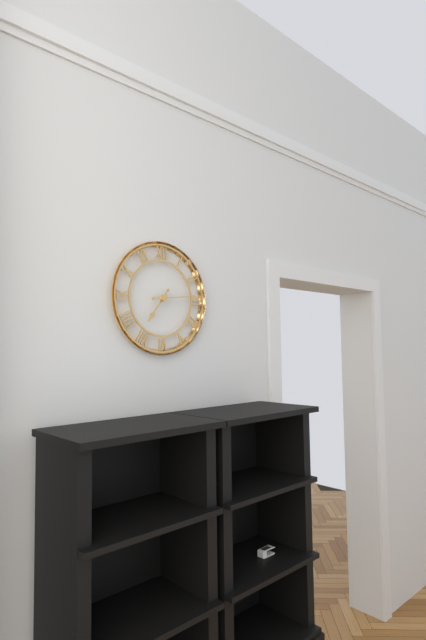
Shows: h=7 m=14
